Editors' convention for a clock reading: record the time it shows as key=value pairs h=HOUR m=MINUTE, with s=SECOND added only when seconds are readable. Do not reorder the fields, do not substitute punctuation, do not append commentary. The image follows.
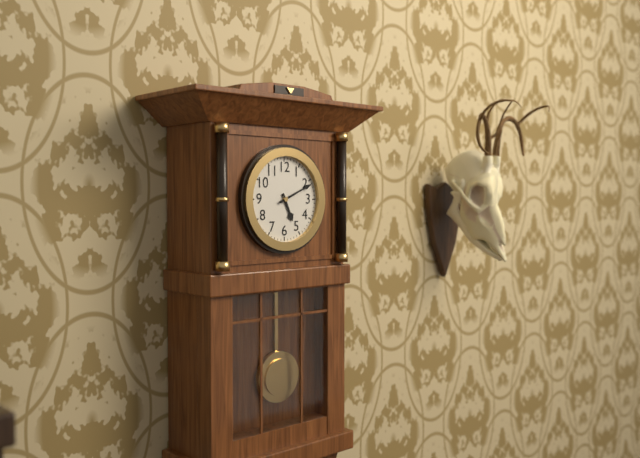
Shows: h=5 m=11
